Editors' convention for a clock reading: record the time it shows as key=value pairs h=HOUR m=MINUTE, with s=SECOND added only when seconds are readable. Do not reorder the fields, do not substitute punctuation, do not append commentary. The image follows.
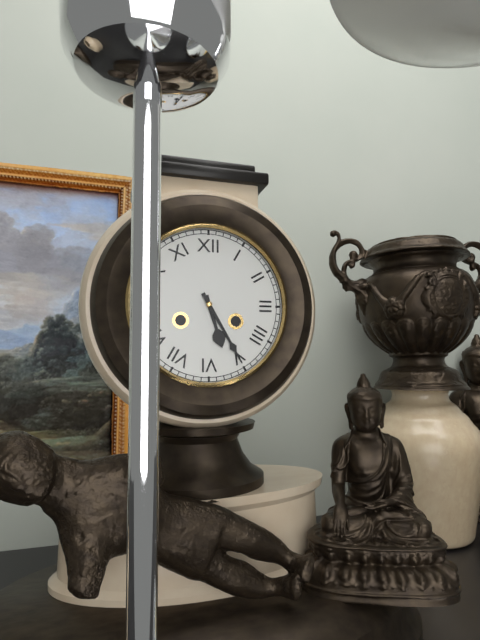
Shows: h=5 m=25
